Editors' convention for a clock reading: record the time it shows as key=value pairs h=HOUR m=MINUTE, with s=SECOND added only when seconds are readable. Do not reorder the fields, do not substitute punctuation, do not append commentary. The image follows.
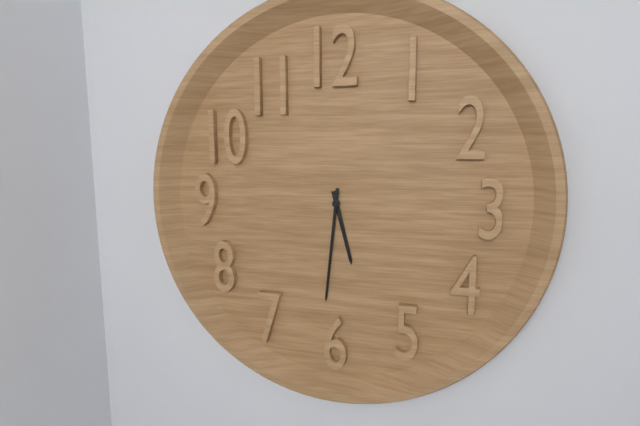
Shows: h=5 m=31
